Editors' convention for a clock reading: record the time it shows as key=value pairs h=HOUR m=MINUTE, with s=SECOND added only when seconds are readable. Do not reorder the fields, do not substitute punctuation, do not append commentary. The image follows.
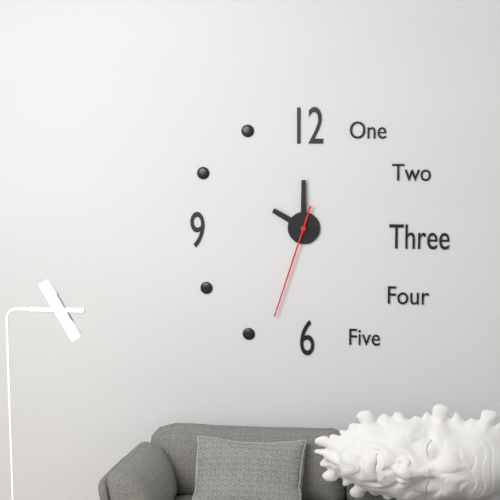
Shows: h=10 m=0 s=33
